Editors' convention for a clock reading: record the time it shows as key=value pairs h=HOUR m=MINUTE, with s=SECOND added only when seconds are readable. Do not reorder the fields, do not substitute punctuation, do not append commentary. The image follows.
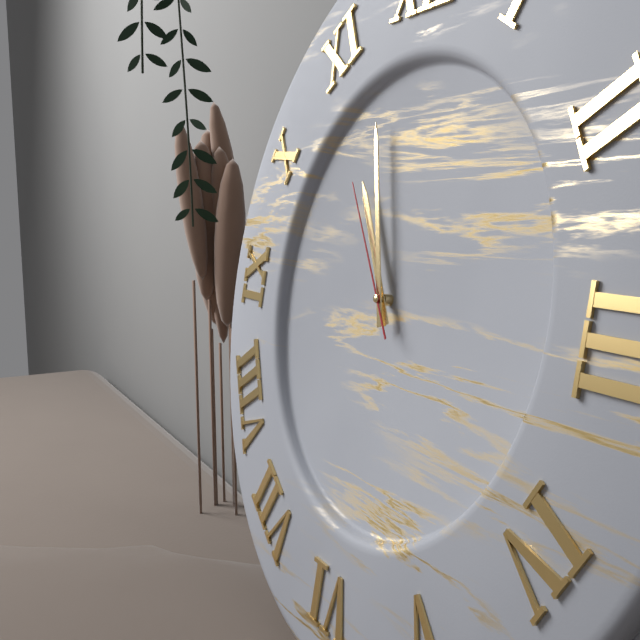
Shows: h=10 m=57 s=54
